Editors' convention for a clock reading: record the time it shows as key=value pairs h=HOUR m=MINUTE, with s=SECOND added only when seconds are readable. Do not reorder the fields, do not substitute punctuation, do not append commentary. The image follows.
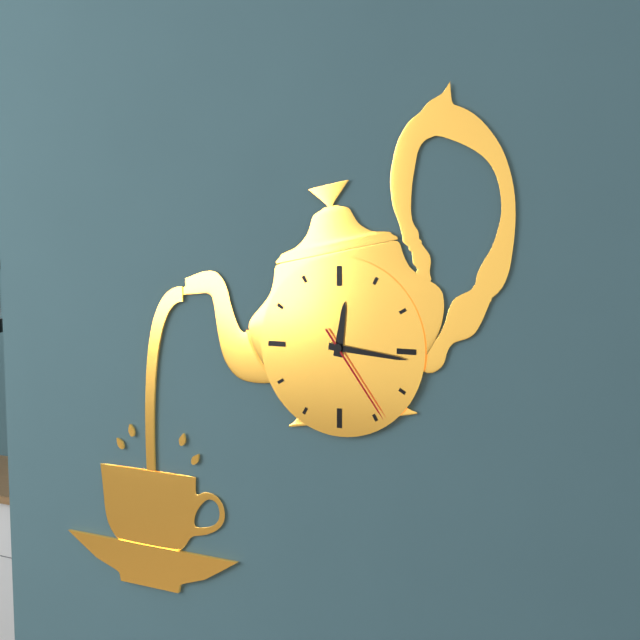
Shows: h=12 m=16 s=24
